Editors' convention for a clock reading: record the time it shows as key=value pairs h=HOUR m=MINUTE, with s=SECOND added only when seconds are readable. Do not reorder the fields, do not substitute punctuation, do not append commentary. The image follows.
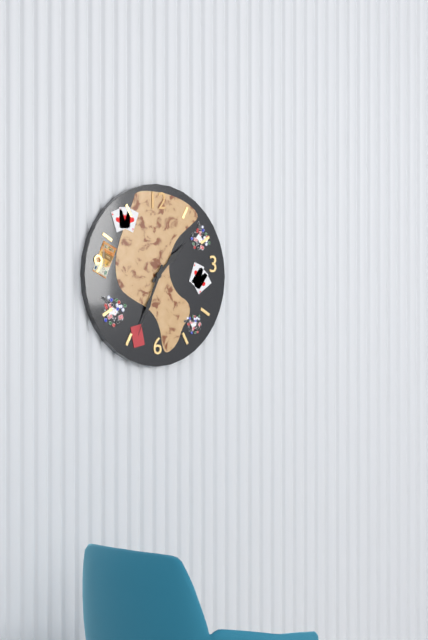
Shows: h=1 m=34
